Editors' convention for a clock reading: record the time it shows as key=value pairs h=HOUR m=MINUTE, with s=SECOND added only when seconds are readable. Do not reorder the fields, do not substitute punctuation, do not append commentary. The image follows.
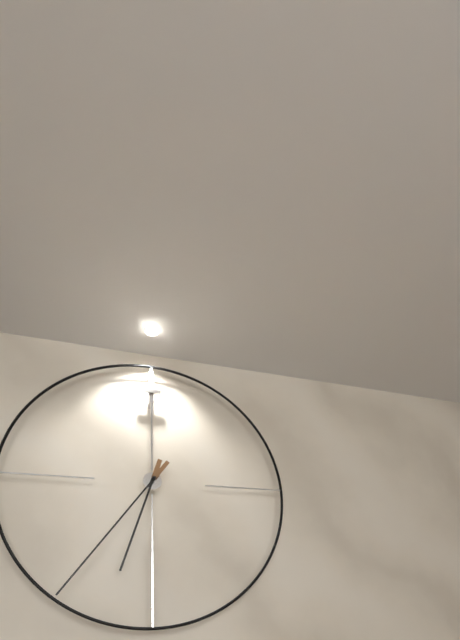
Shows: h=6 m=36
